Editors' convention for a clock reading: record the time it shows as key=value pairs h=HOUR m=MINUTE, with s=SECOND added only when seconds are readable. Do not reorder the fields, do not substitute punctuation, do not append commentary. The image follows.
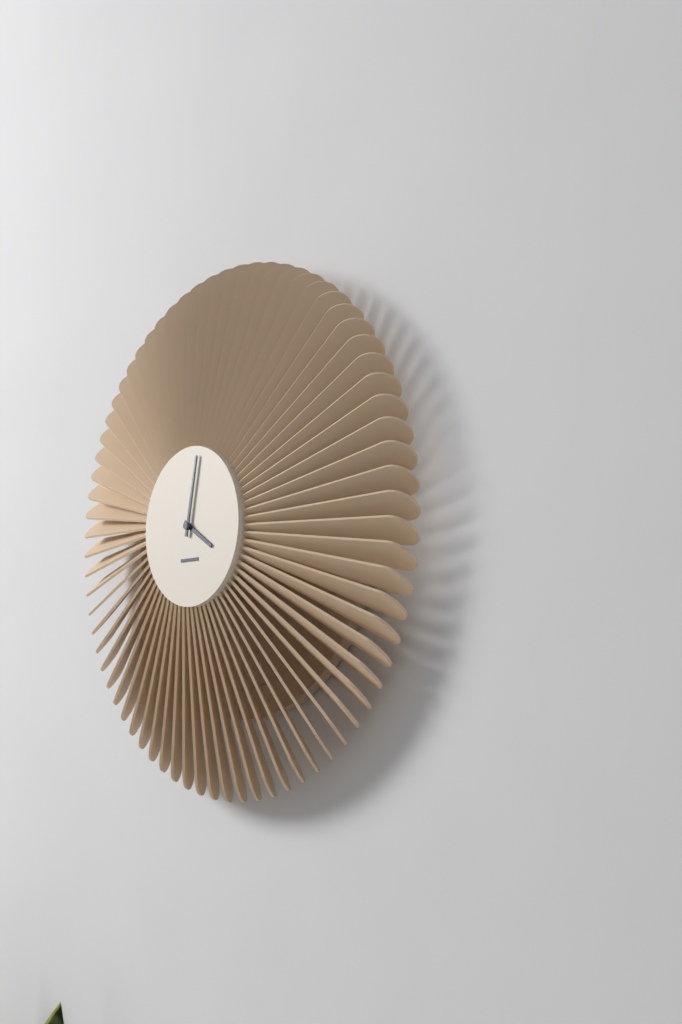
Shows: h=4 m=2
